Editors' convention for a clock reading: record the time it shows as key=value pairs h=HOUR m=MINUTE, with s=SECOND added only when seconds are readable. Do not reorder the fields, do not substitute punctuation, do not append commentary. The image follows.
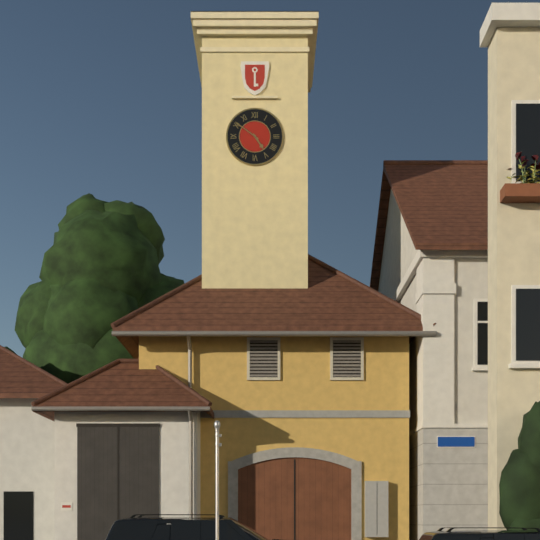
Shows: h=4 m=51
